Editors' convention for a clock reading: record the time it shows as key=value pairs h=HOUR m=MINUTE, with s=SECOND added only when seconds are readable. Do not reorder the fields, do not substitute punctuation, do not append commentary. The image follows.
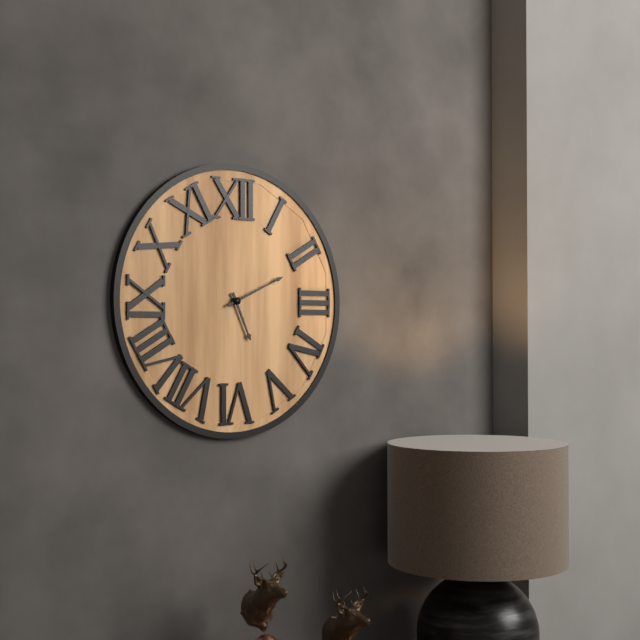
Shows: h=5 m=11
